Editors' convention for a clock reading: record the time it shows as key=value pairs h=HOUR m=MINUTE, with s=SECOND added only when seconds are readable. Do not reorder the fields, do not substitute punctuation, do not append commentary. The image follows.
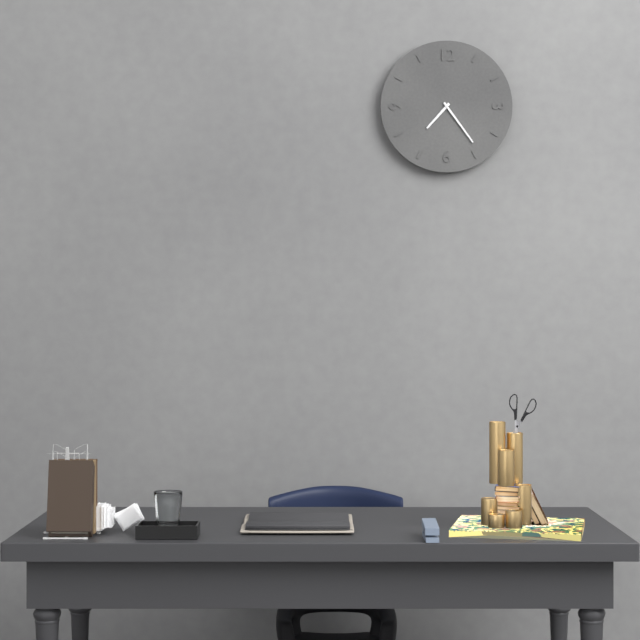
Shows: h=7 m=24
